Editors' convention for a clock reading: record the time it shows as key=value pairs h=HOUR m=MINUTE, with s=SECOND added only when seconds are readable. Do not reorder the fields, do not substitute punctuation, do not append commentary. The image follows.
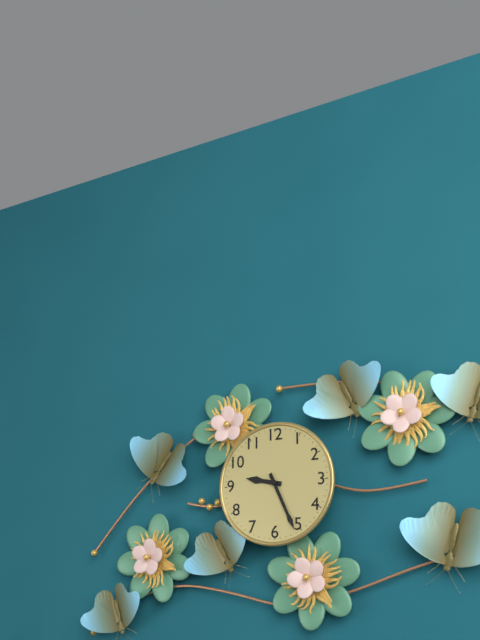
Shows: h=9 m=26
